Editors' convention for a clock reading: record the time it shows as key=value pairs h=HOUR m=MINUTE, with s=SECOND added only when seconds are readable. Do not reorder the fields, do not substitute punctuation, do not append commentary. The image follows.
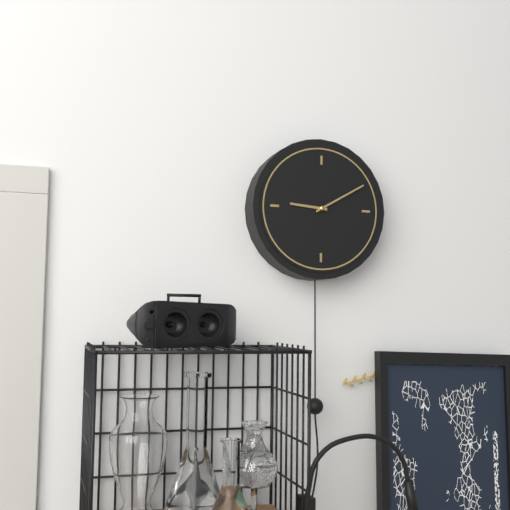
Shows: h=9 m=10
